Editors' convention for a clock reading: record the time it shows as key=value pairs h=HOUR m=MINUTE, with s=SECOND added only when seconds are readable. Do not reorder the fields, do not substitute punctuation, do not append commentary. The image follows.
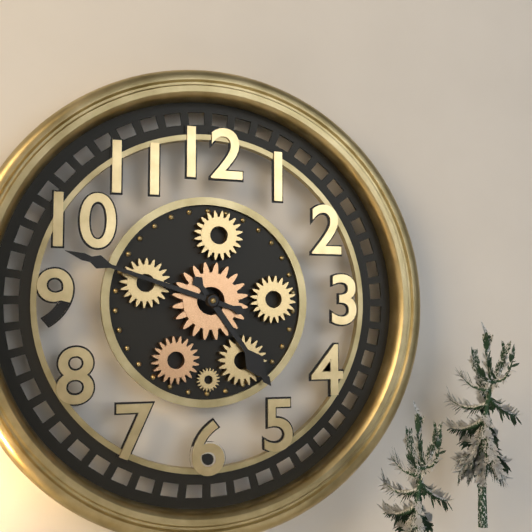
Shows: h=4 m=48
